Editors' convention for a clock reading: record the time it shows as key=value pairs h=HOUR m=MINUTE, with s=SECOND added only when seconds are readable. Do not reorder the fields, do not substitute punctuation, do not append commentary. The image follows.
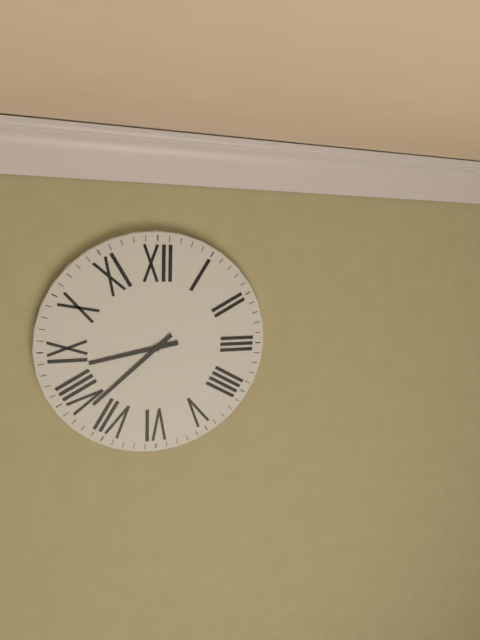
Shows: h=8 m=38
